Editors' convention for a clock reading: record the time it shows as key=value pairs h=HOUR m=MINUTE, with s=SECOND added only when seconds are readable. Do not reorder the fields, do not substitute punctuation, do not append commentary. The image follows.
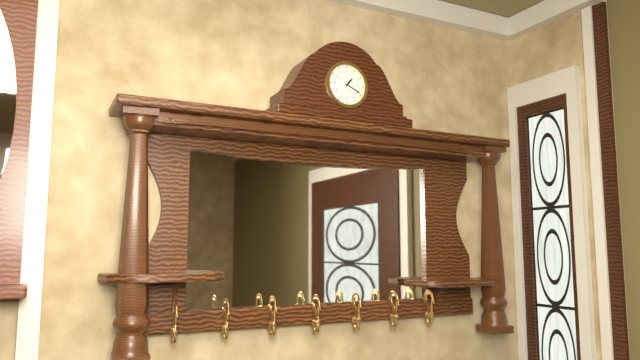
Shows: h=1 m=19
